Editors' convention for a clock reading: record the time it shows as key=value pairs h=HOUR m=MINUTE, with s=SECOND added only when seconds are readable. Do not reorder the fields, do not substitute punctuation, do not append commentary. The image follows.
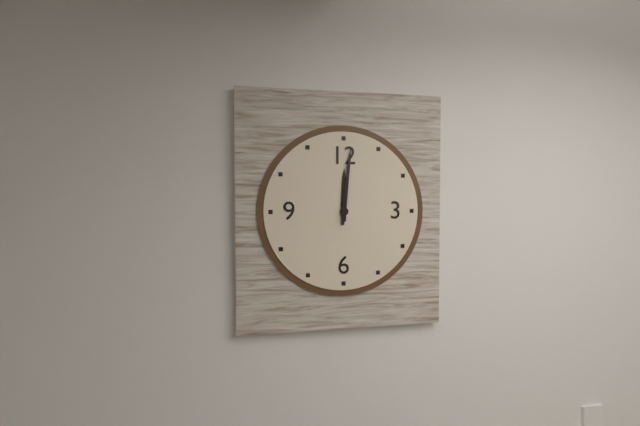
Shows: h=12 m=1
